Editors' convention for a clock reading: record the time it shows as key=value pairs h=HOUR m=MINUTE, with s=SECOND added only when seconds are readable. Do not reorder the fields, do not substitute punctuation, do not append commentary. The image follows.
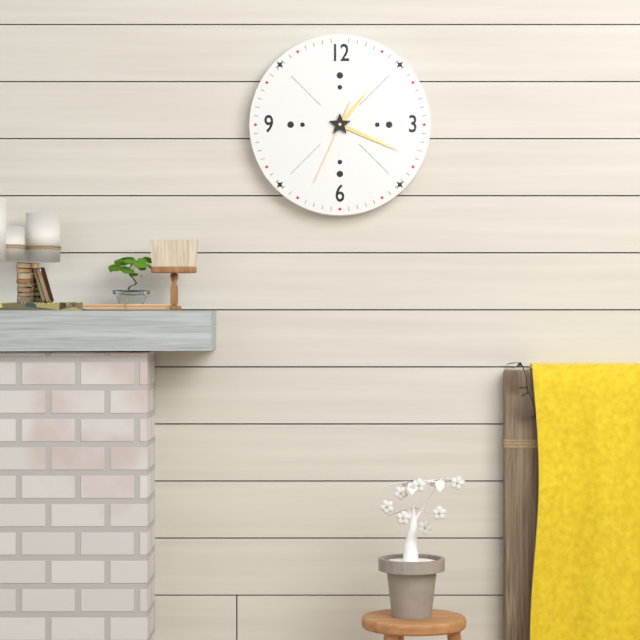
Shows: h=1 m=19 s=34
